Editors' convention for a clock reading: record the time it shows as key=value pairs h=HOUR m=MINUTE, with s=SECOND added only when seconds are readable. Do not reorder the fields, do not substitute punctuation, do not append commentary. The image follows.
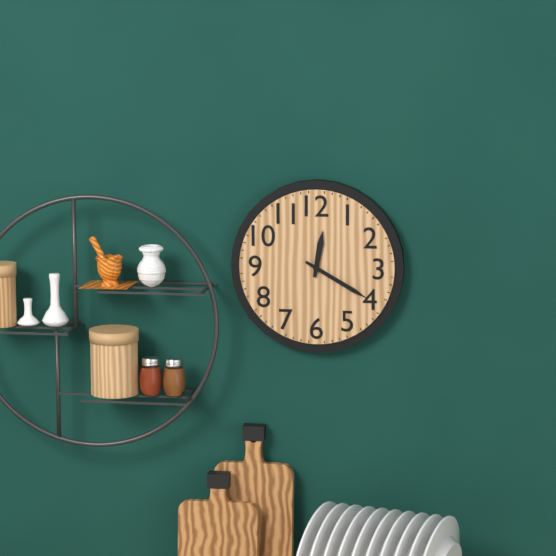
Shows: h=12 m=20
